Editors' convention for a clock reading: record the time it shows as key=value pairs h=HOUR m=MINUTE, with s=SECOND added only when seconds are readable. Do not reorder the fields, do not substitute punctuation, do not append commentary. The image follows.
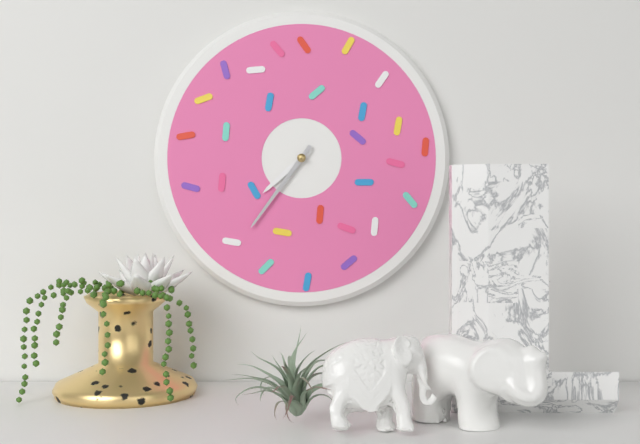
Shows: h=7 m=36
